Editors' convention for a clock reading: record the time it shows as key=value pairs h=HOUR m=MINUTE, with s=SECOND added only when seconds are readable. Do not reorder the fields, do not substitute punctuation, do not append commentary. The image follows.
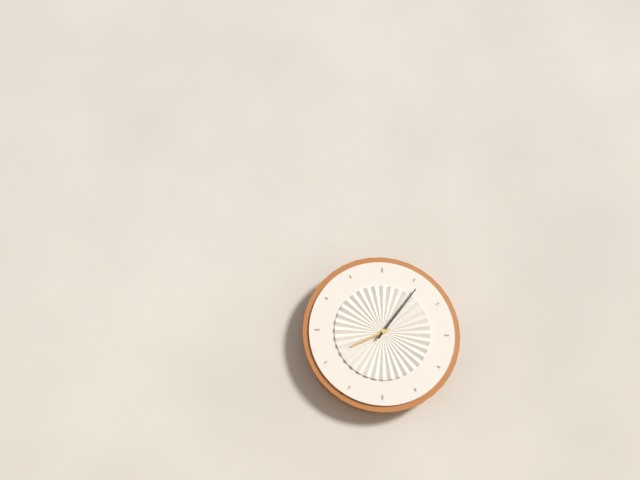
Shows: h=8 m=6
